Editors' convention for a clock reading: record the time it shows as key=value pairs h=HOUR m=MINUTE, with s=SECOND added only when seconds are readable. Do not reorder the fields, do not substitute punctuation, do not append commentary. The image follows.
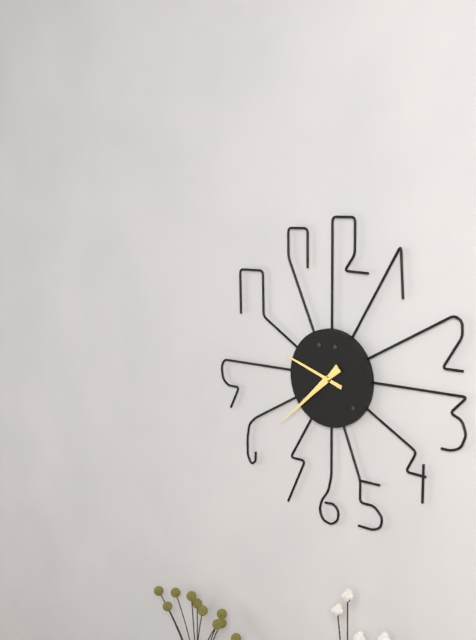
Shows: h=9 m=38
